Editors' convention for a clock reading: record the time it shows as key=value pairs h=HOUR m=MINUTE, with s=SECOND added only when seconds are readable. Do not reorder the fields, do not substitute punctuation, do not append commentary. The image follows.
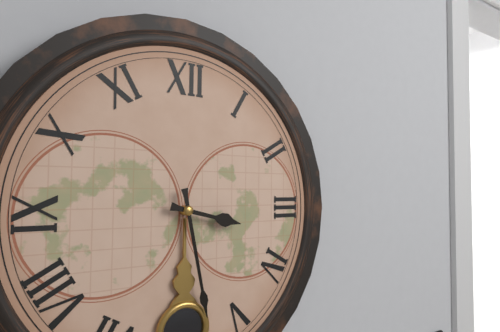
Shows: h=3 m=28
